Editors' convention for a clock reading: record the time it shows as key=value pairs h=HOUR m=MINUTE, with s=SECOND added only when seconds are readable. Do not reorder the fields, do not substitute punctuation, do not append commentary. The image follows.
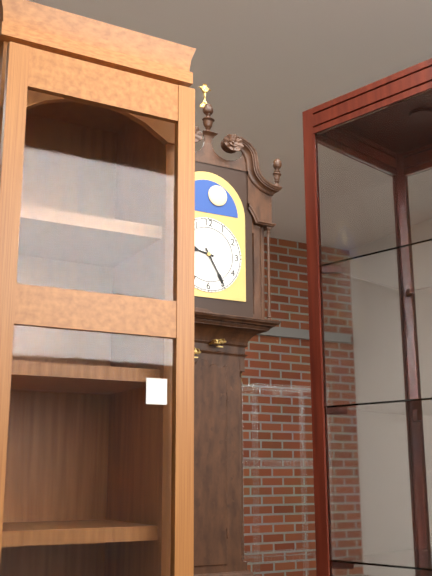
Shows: h=9 m=25
